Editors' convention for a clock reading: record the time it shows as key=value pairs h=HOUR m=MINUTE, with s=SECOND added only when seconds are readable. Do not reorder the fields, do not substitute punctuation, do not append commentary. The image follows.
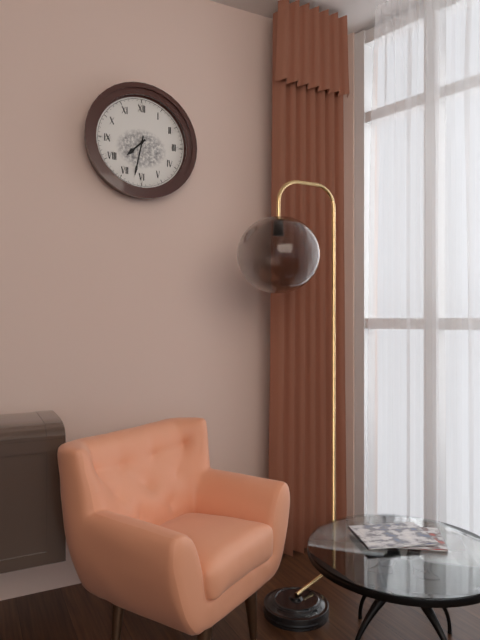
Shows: h=7 m=32
